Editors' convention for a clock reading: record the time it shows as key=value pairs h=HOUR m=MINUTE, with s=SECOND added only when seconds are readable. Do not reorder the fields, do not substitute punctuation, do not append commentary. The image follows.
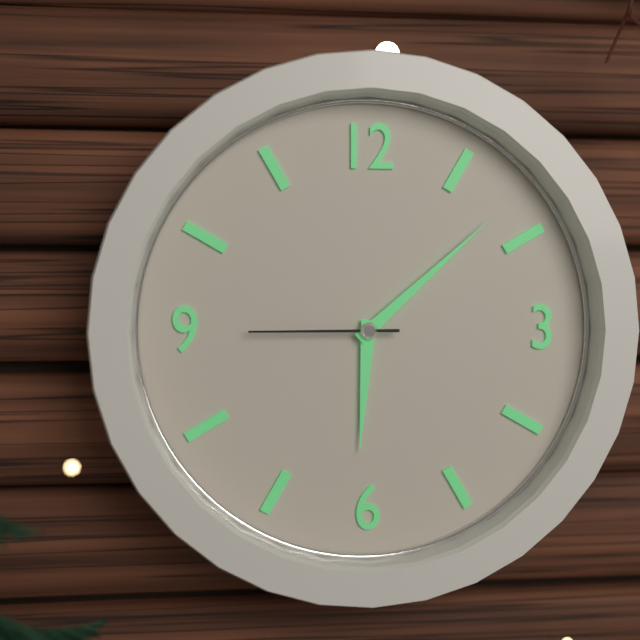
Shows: h=6 m=8 s=45
